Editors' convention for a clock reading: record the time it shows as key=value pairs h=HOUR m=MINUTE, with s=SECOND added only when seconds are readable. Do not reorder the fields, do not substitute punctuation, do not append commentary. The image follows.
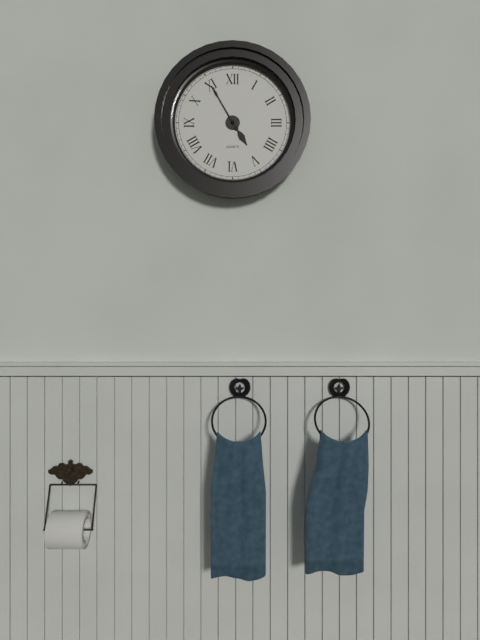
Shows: h=4 m=55
